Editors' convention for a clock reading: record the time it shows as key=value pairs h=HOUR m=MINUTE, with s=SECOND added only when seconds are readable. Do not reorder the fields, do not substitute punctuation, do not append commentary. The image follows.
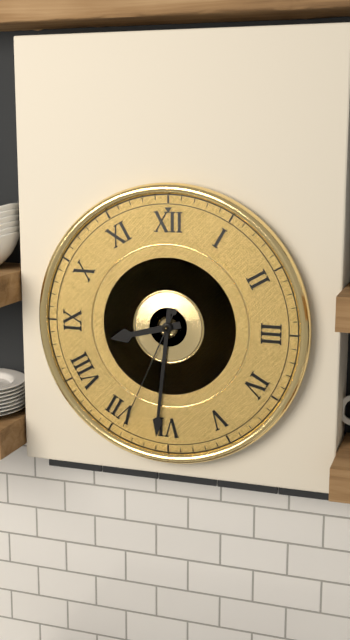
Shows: h=8 m=31 s=34
